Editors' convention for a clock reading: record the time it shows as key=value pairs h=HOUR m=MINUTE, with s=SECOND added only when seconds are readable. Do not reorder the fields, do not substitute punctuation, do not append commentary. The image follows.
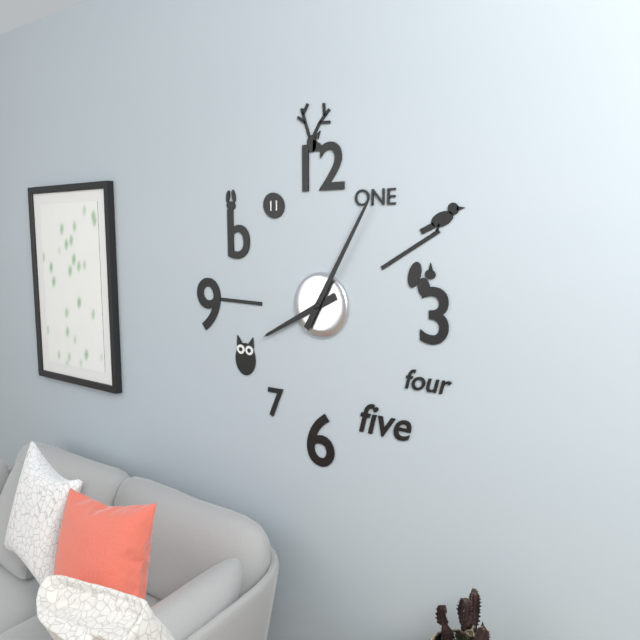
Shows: h=8 m=5
